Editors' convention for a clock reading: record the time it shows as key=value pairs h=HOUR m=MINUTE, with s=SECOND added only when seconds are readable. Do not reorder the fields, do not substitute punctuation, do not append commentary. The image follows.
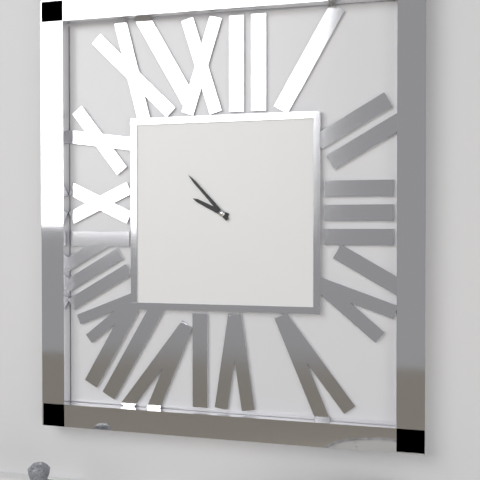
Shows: h=9 m=53
